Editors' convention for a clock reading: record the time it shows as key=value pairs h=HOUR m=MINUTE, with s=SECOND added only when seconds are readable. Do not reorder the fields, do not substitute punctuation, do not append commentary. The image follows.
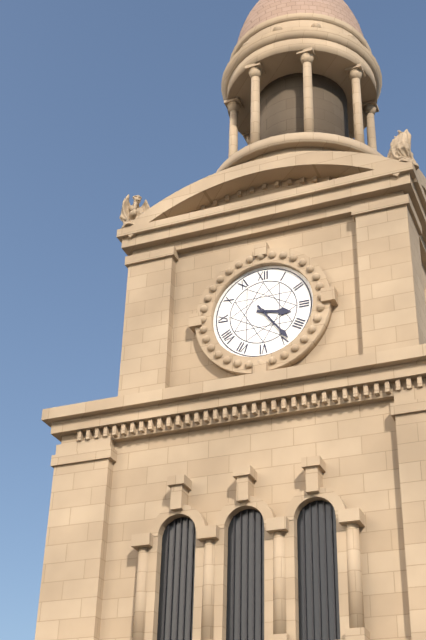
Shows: h=3 m=24
